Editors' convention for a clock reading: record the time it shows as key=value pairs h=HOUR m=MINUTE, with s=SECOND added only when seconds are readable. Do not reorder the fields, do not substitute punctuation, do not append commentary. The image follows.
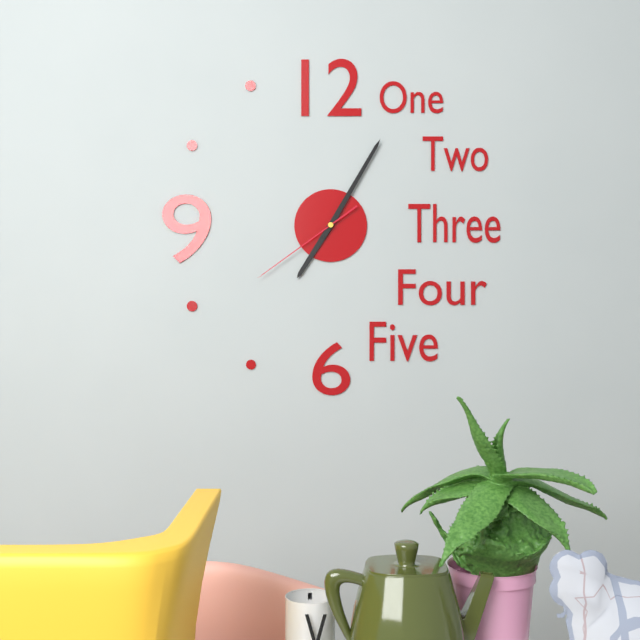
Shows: h=7 m=5 s=39
